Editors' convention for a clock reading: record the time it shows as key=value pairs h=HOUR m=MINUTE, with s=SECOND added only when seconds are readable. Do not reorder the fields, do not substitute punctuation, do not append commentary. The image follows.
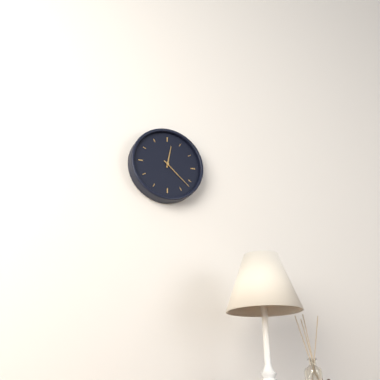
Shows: h=12 m=22
